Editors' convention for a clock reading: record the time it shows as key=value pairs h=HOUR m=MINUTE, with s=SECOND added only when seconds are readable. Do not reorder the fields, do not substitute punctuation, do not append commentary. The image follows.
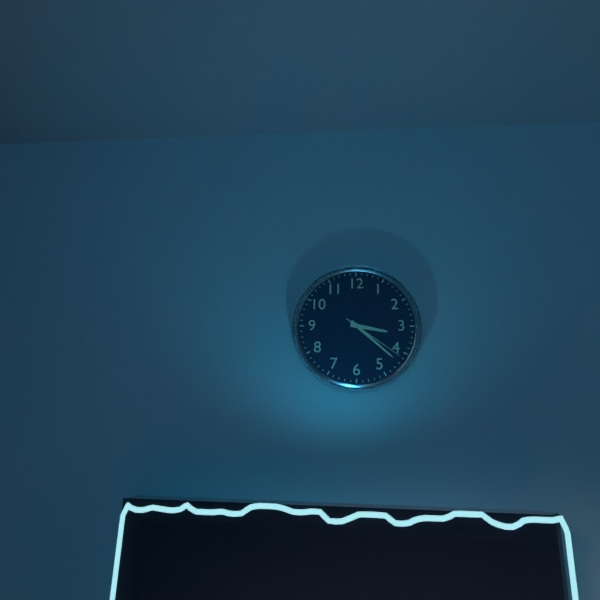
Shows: h=3 m=22 s=21
